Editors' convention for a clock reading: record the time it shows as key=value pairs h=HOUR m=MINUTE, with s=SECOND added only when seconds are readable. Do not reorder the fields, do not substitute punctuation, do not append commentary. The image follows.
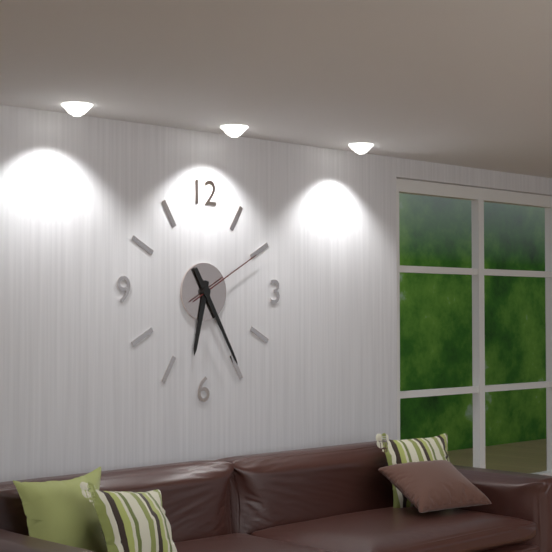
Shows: h=6 m=25 s=10
